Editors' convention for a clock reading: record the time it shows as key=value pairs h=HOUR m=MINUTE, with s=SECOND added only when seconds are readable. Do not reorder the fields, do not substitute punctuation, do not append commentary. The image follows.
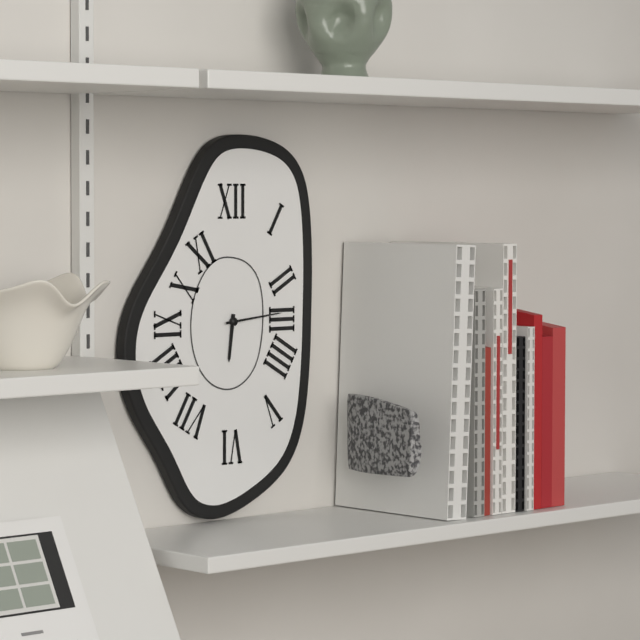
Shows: h=6 m=14
